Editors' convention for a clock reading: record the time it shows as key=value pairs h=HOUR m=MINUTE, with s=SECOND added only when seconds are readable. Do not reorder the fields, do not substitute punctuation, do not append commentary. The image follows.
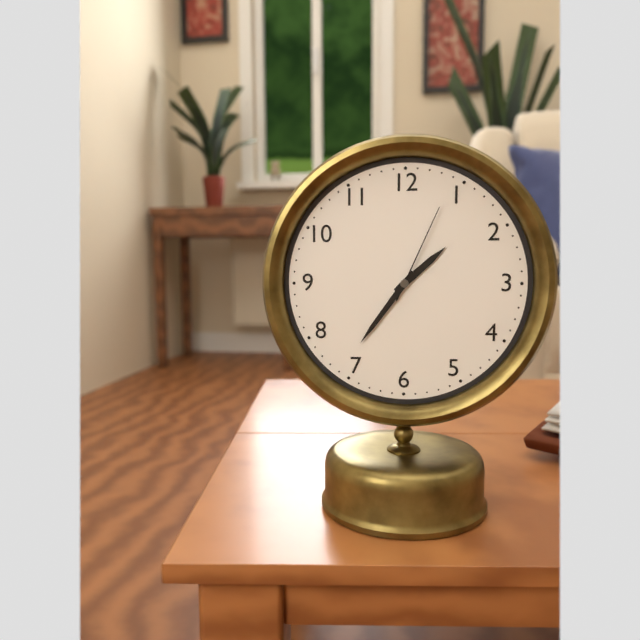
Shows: h=1 m=36 s=4
